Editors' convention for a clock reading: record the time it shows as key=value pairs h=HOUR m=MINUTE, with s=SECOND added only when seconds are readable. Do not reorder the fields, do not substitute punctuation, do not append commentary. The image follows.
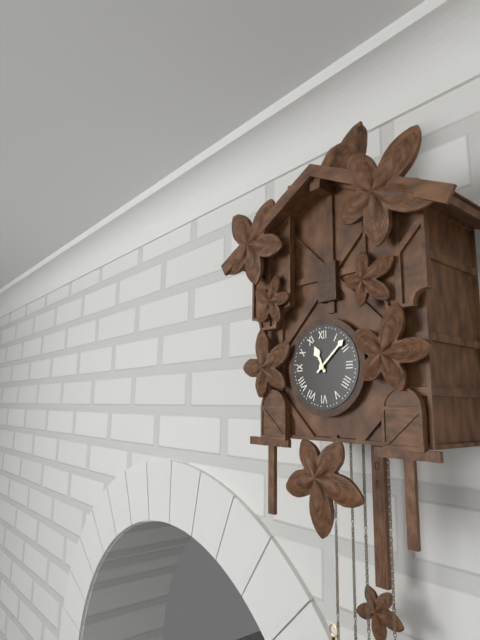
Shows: h=11 m=8
